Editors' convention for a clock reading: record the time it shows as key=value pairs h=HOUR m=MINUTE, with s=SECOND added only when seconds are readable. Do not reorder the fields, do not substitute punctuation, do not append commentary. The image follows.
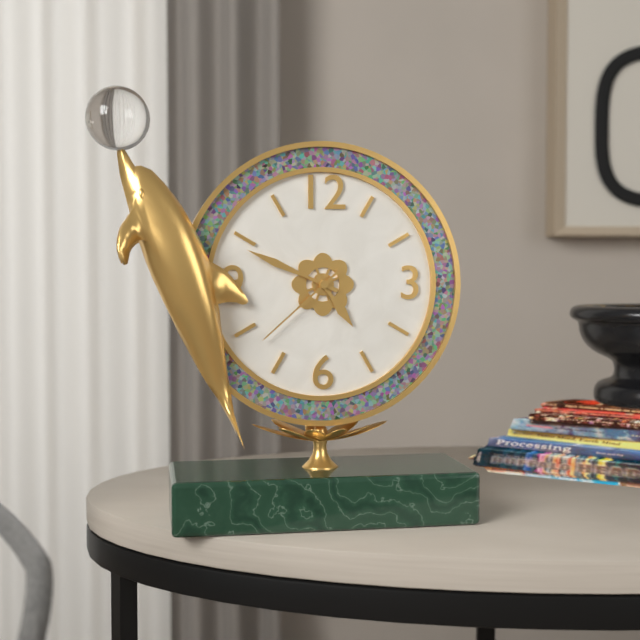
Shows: h=4 m=49 s=38
